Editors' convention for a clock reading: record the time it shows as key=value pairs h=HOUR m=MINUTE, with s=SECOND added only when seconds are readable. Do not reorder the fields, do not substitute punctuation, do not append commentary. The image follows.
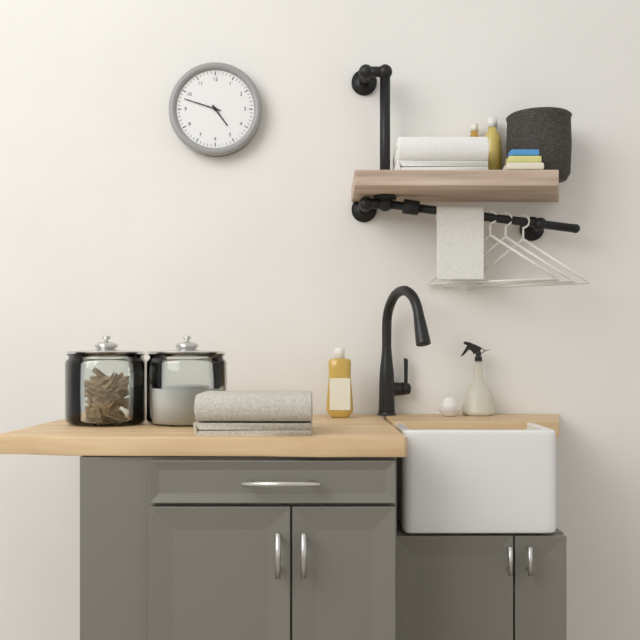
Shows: h=4 m=48
